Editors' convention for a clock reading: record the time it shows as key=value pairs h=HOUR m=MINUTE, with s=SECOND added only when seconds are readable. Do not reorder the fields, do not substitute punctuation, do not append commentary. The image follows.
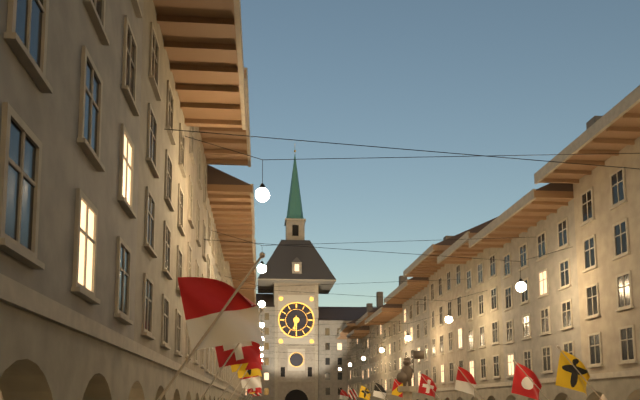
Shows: h=6 m=30
